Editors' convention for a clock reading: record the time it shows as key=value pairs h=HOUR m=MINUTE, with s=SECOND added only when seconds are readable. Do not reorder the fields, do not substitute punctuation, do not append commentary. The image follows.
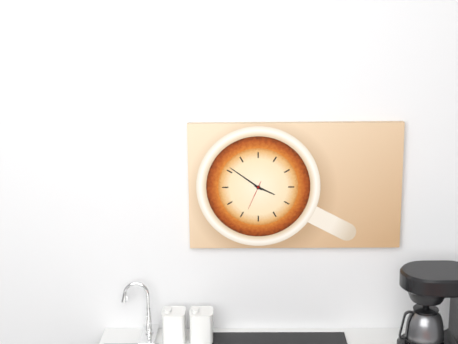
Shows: h=3 m=51
